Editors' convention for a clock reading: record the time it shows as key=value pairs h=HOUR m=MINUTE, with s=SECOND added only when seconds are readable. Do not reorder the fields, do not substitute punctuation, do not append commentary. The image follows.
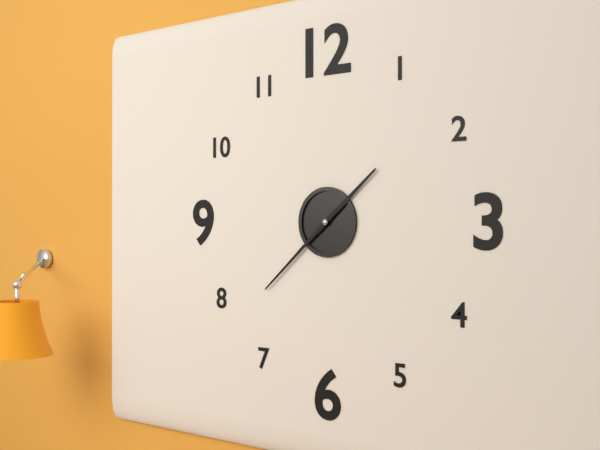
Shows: h=1 m=38
